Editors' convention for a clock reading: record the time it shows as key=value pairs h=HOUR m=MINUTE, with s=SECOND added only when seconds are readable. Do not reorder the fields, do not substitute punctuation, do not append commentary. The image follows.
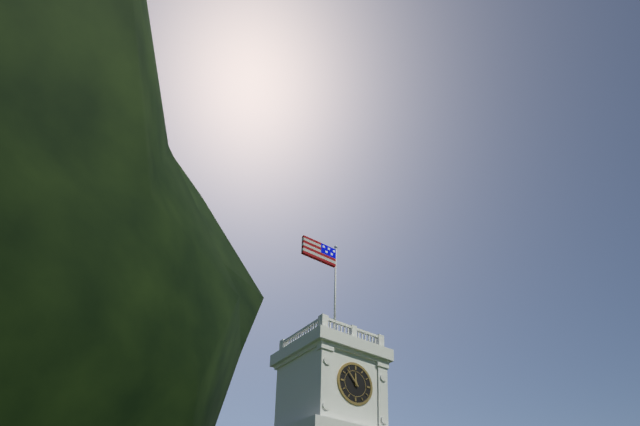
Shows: h=11 m=53
